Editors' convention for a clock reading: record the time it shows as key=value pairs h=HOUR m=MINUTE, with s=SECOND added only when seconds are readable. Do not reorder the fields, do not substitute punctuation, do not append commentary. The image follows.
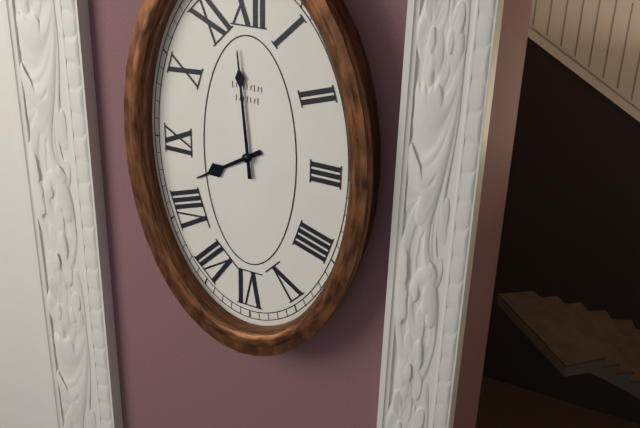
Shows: h=7 m=59
